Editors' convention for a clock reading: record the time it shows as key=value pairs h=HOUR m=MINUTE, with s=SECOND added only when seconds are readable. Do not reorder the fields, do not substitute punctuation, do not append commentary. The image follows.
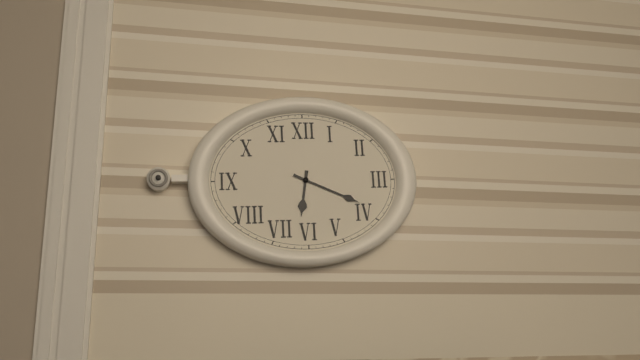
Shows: h=6 m=19
